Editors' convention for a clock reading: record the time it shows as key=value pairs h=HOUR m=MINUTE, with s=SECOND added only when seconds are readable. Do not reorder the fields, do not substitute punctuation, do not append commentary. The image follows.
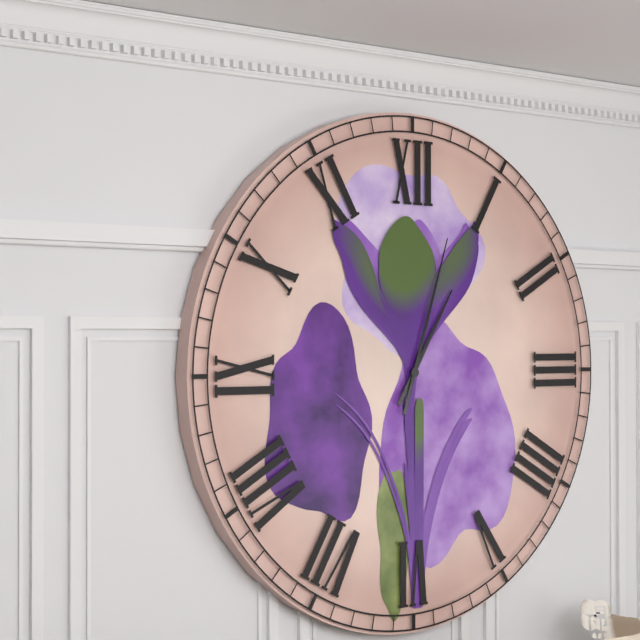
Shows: h=1 m=3
